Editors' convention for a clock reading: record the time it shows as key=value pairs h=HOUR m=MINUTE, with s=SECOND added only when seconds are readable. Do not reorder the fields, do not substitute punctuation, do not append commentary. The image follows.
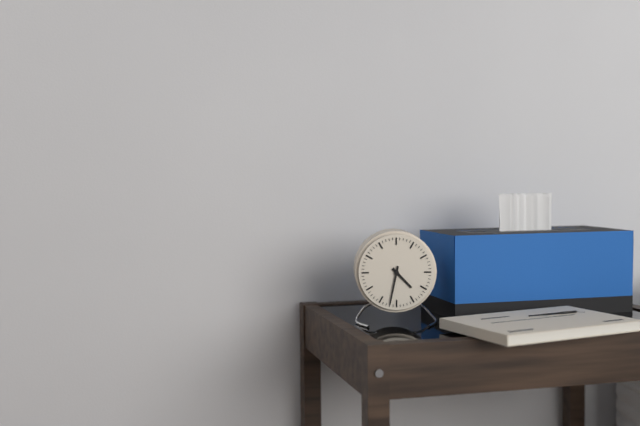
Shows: h=4 m=32
